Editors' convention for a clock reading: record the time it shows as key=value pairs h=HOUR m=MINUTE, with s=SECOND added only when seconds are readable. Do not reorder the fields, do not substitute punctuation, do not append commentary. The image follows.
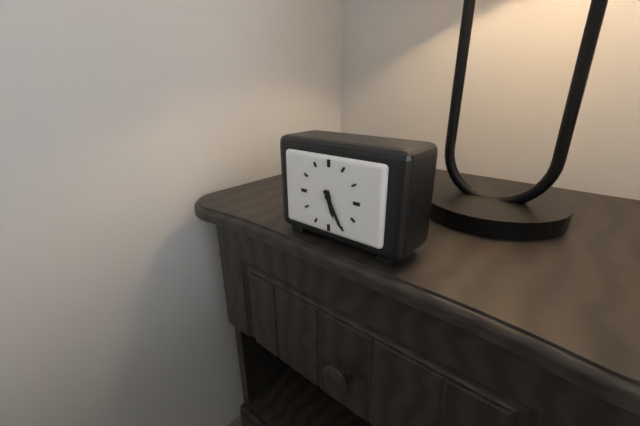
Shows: h=5 m=25
